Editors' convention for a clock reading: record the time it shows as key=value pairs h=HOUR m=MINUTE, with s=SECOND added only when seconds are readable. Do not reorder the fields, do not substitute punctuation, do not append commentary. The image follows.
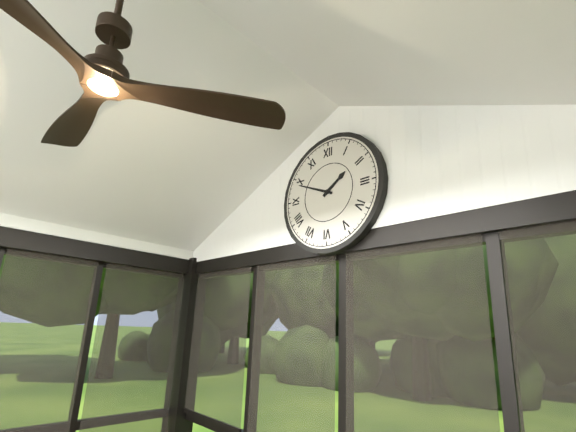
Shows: h=1 m=49
